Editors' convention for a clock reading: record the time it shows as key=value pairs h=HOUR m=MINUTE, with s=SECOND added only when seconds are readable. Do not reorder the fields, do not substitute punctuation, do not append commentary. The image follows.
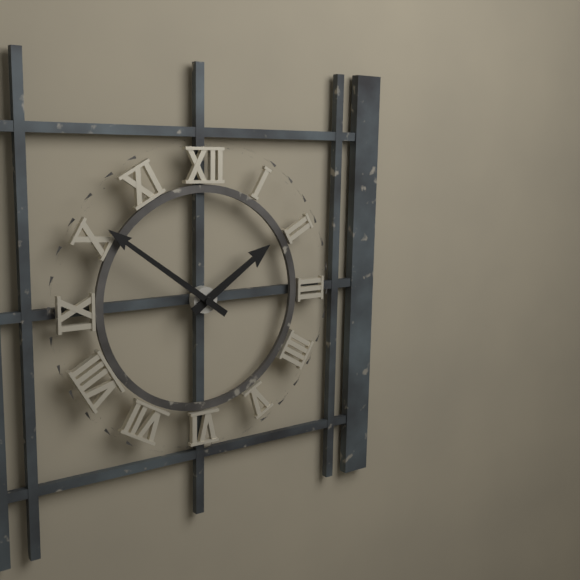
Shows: h=1 m=51
